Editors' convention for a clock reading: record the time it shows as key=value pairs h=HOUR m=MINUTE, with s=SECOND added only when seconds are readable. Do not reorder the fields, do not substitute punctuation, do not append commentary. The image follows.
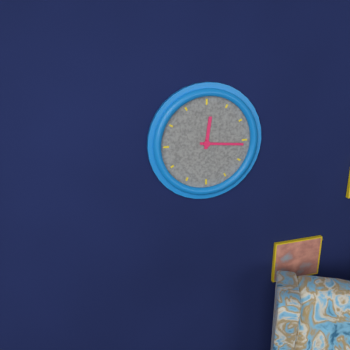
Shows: h=12 m=16
